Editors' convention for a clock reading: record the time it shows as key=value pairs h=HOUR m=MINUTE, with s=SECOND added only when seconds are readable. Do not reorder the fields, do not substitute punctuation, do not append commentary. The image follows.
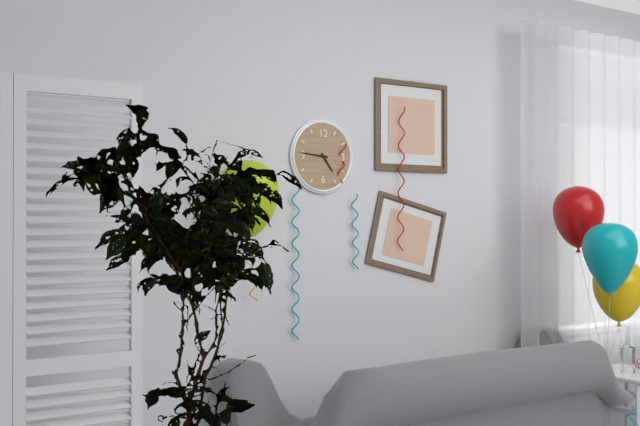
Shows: h=4 m=46
